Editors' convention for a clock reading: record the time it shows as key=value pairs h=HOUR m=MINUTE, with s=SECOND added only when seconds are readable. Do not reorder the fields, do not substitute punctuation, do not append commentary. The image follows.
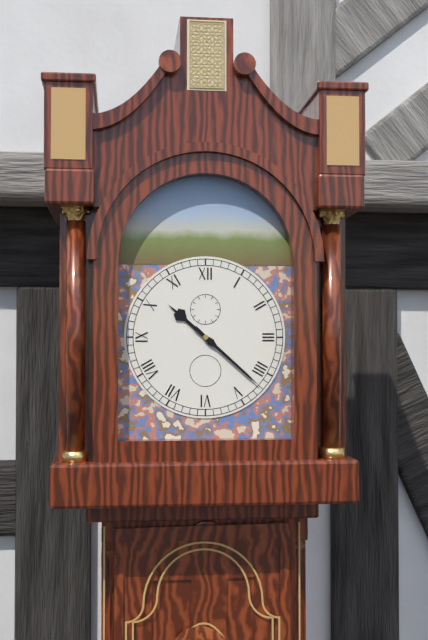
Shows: h=10 m=22
